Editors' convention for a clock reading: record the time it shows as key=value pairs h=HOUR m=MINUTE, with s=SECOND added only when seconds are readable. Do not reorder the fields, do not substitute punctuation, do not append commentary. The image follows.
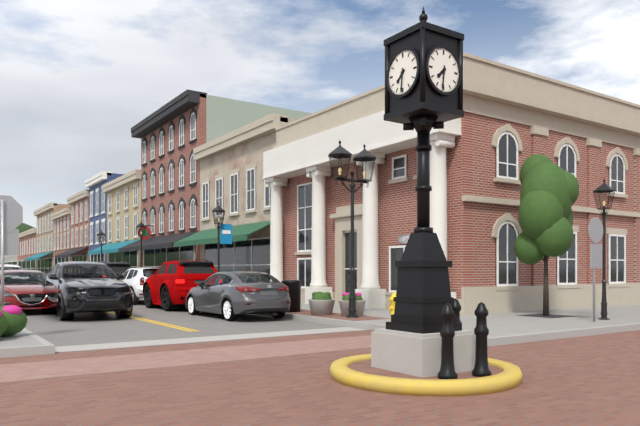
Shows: h=7 m=31
